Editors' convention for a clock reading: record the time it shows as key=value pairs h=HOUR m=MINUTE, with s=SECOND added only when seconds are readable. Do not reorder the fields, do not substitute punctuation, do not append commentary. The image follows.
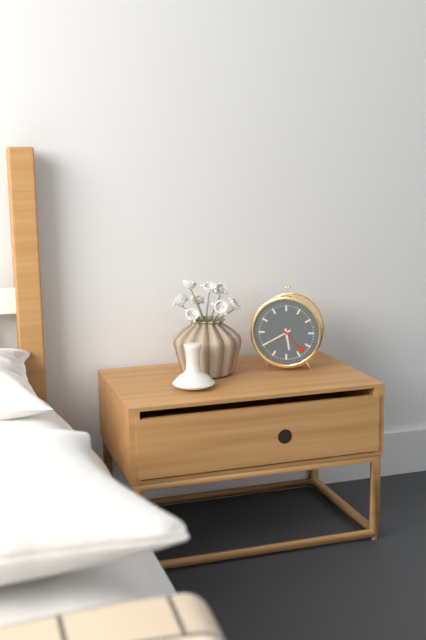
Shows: h=5 m=40
